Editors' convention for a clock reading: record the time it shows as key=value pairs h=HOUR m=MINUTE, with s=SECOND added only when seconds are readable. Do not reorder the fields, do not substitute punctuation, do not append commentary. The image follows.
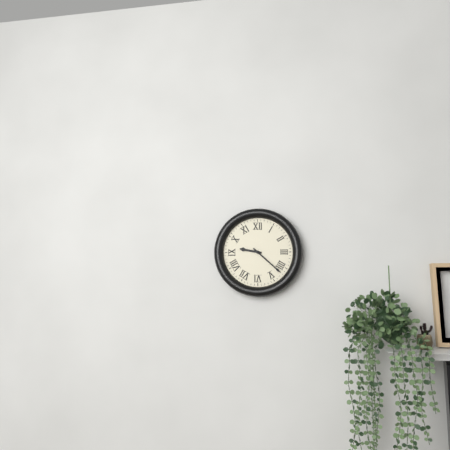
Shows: h=9 m=22
